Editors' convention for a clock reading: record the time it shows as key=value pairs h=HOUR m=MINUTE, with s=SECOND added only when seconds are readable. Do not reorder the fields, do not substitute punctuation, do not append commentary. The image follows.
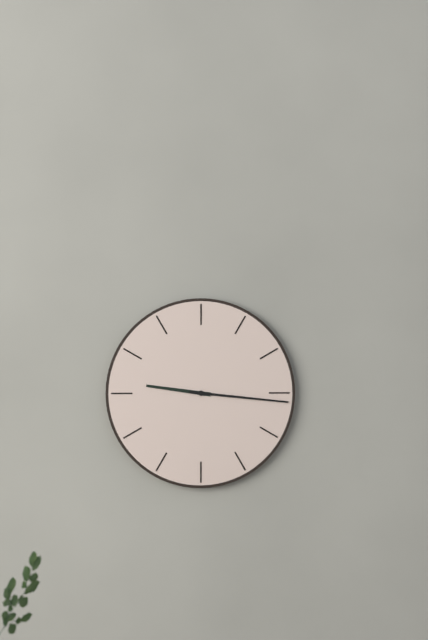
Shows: h=9 m=16
